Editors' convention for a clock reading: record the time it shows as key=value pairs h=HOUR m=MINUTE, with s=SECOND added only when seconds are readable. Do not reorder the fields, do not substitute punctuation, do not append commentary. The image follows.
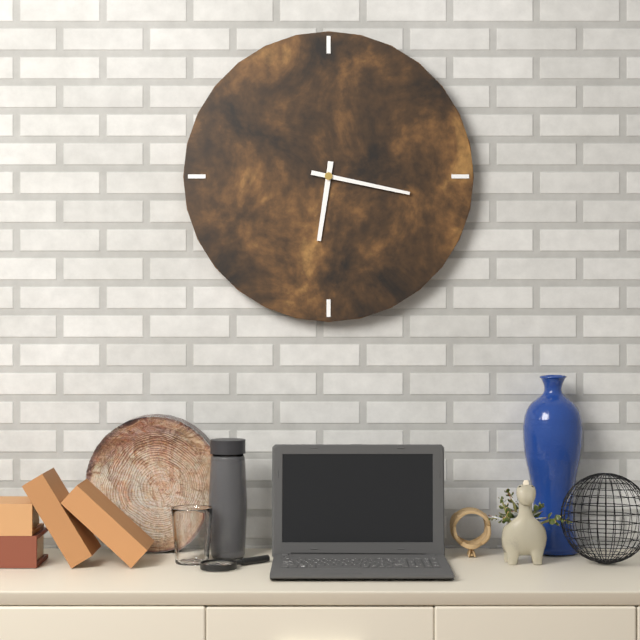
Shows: h=6 m=17
